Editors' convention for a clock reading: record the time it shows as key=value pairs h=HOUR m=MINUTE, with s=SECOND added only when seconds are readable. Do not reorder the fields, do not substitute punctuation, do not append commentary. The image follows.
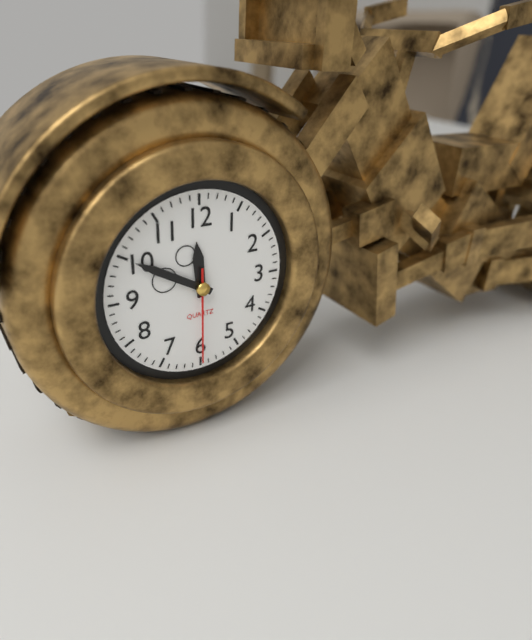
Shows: h=11 m=50 s=30
